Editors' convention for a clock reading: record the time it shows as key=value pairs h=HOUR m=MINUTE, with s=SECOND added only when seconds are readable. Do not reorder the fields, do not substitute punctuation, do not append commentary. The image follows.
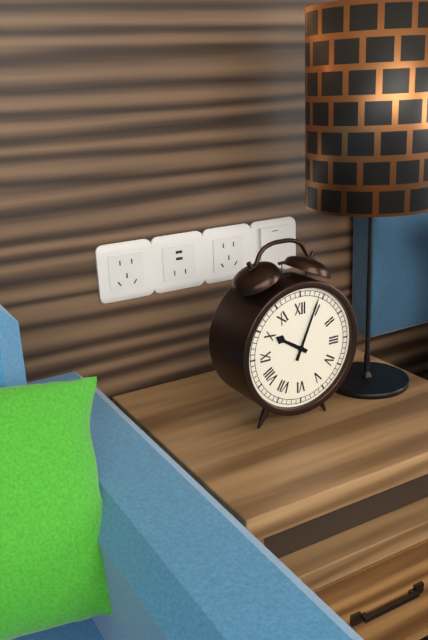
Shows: h=10 m=4
